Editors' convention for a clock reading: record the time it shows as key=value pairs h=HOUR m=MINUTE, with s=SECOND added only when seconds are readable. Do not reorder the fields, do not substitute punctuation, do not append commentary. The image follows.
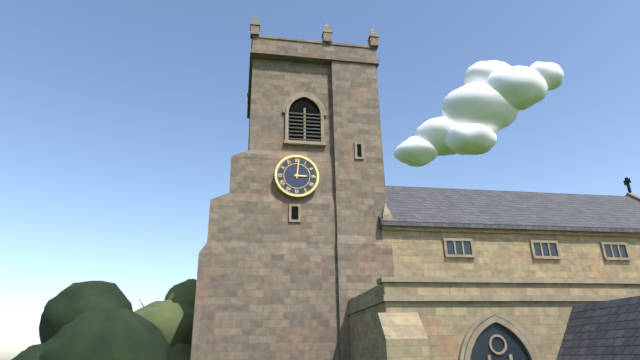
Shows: h=3 m=1
